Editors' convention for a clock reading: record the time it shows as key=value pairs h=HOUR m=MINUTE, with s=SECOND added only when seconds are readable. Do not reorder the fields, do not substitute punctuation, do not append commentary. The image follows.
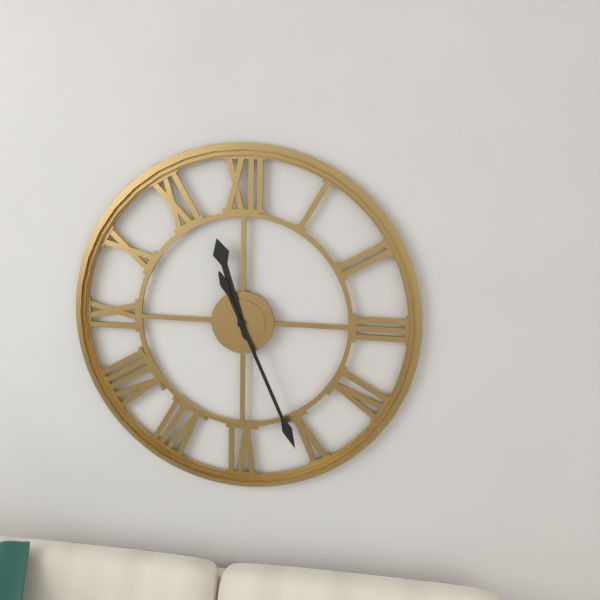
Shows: h=11 m=26
